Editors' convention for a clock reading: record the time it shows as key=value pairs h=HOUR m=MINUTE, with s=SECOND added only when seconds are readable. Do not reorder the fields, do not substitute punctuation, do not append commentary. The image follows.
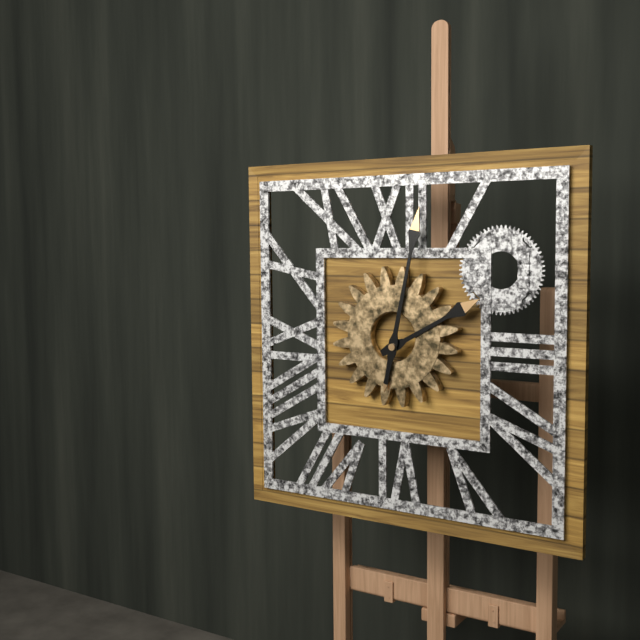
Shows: h=2 m=2
